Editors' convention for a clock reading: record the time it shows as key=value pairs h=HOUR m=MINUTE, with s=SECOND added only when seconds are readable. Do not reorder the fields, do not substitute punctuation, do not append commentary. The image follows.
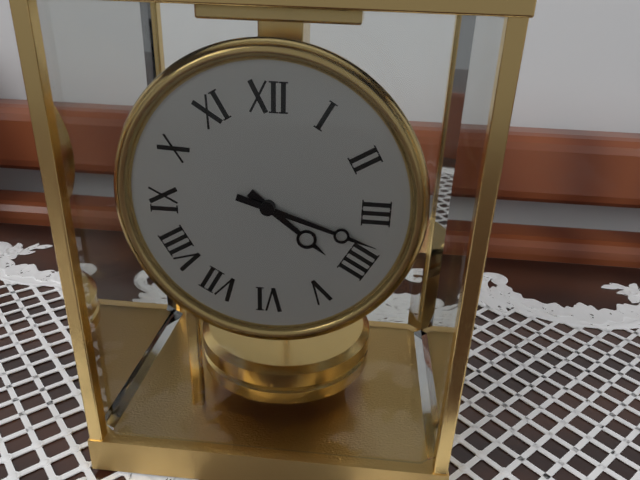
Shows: h=4 m=18
